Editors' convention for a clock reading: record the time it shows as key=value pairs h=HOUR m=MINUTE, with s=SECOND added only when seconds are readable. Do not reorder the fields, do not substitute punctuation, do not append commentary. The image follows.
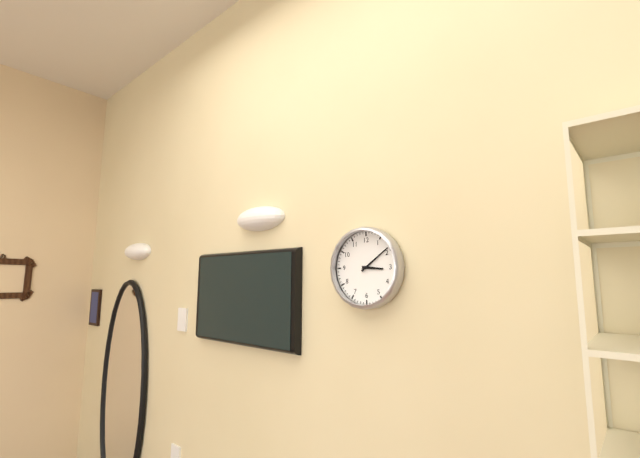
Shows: h=3 m=9
